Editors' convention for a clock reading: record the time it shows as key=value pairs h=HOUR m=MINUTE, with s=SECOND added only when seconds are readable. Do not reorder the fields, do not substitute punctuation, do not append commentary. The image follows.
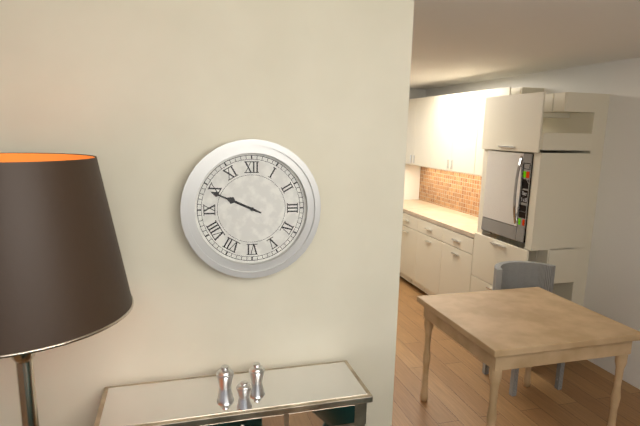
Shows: h=9 m=49
